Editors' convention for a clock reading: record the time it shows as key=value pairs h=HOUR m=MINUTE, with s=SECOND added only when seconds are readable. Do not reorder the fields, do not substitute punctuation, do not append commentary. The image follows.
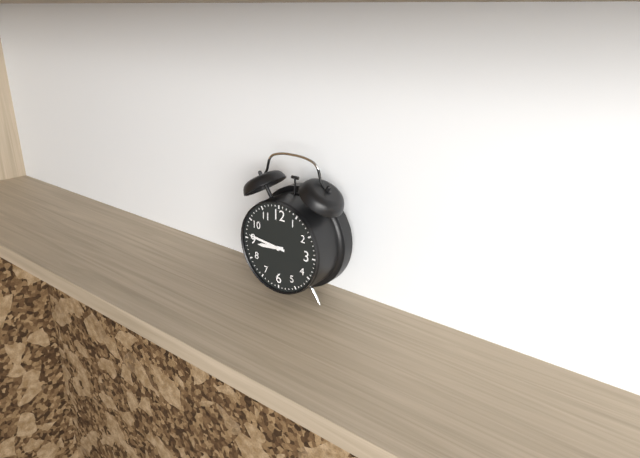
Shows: h=8 m=46
